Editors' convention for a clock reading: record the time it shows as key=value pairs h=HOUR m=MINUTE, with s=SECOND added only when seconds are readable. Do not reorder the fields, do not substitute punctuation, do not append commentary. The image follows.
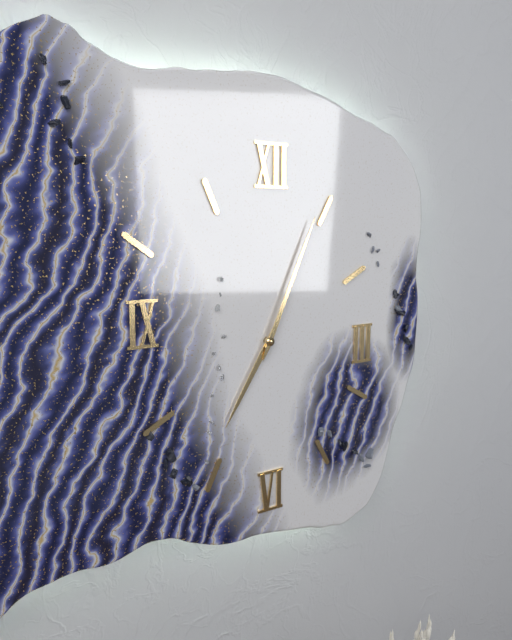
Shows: h=7 m=4
